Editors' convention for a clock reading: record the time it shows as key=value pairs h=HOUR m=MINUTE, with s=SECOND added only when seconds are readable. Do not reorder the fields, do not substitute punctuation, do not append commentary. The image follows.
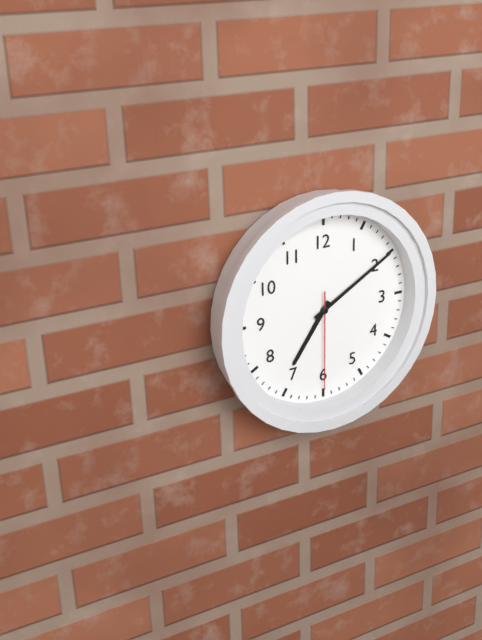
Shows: h=7 m=10 s=30
